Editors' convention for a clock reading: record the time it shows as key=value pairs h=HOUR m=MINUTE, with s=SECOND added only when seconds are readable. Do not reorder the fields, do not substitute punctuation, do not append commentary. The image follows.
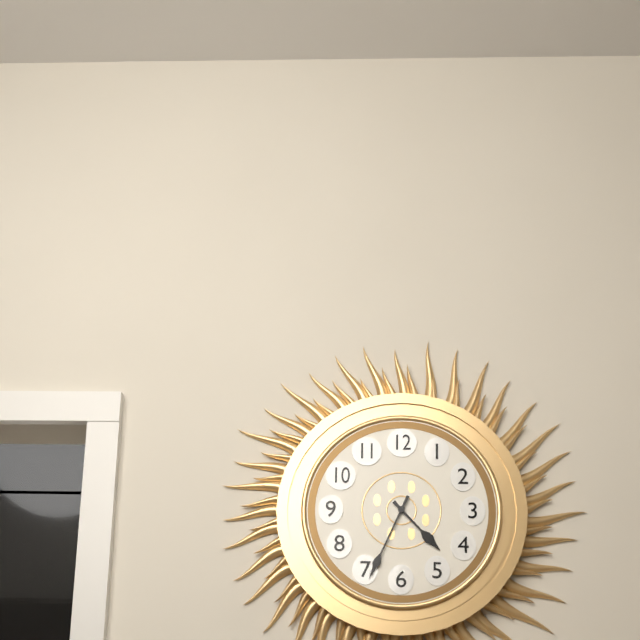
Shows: h=4 m=34
